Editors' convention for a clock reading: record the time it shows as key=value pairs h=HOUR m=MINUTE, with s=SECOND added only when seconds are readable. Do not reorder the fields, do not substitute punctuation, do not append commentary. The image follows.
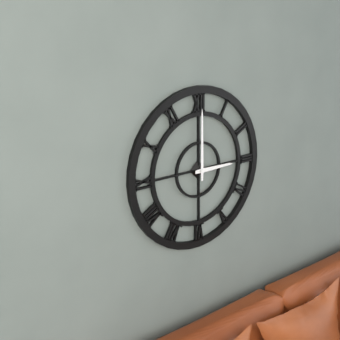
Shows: h=3 m=0
